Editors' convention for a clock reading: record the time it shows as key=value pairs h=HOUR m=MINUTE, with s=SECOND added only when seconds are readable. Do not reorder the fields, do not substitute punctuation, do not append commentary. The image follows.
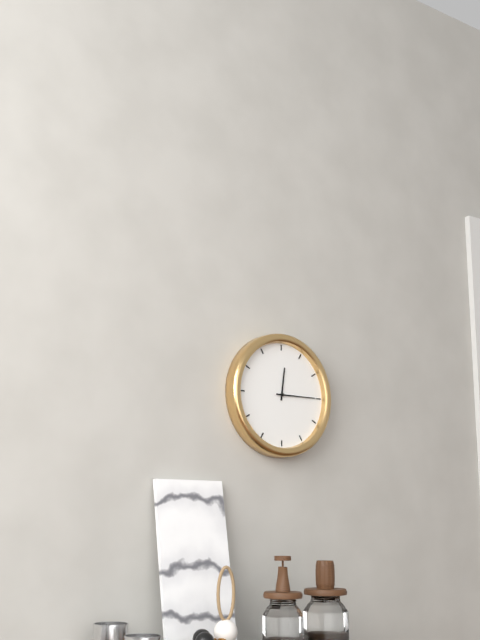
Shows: h=12 m=15
